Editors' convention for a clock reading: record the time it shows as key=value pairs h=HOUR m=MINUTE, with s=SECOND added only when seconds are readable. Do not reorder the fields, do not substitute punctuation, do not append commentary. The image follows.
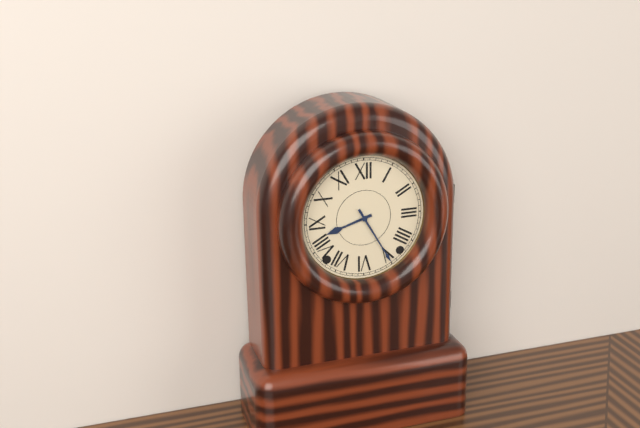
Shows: h=8 m=25
